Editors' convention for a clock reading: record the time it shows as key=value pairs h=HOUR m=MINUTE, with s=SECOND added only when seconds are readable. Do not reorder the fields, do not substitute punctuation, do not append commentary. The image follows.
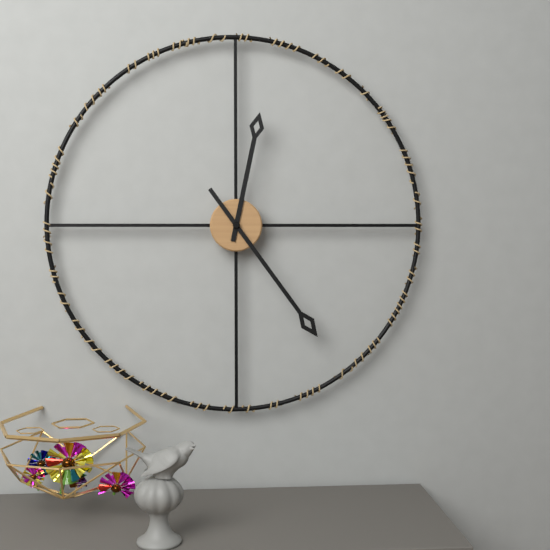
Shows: h=12 m=24
